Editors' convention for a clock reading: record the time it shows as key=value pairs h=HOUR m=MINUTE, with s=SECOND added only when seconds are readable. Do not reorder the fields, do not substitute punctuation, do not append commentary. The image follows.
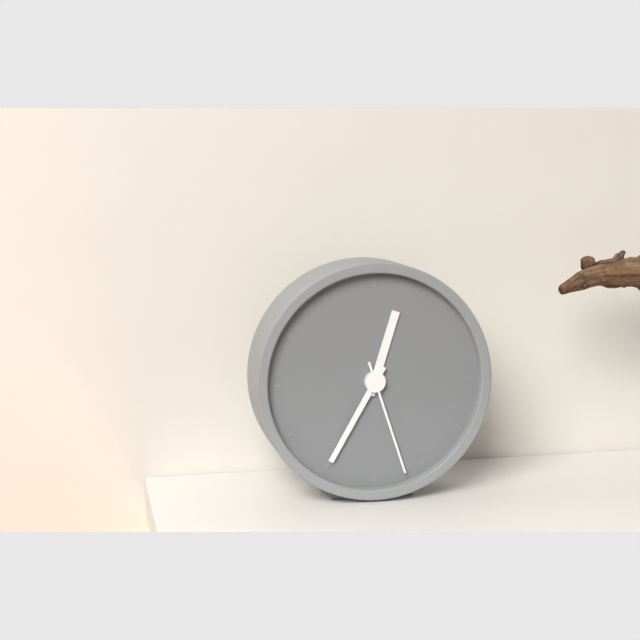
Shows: h=12 m=35 s=27
